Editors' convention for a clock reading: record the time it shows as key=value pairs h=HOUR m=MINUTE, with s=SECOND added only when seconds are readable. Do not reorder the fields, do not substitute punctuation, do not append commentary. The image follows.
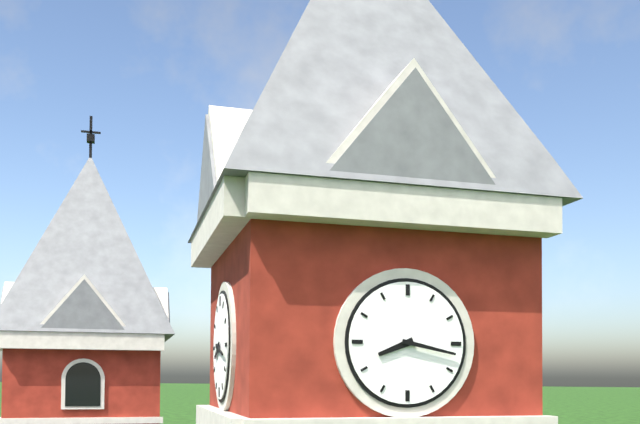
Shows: h=8 m=17
